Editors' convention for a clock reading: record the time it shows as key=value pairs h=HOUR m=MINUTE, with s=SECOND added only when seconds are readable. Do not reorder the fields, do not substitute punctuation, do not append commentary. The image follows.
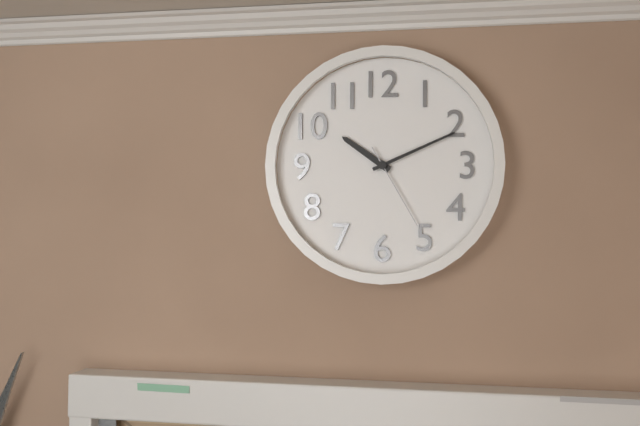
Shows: h=10 m=11 s=25
